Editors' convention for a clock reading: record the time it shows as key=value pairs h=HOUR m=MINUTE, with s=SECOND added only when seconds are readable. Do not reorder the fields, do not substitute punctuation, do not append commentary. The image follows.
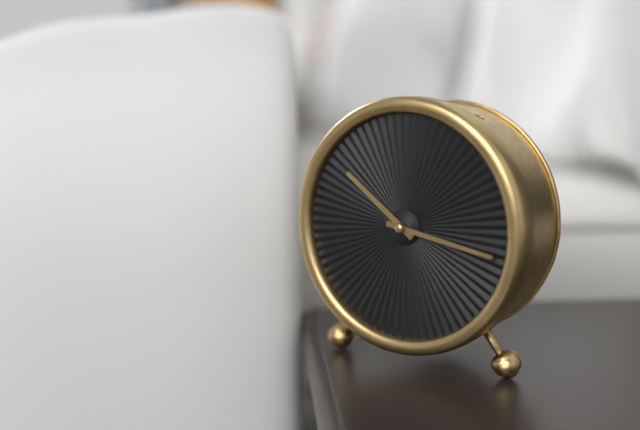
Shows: h=10 m=17
